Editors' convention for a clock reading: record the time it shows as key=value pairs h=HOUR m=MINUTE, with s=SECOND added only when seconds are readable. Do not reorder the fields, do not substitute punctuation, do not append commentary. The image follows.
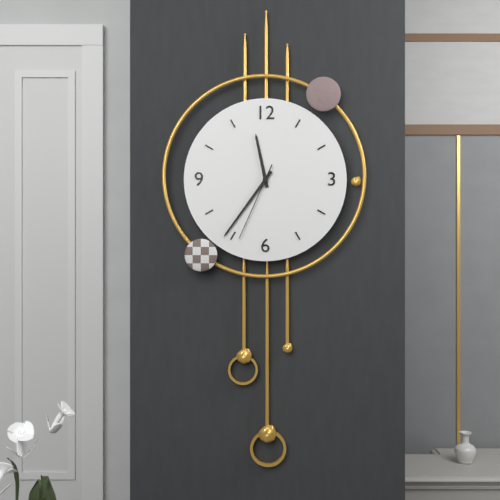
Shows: h=11 m=36 s=34
